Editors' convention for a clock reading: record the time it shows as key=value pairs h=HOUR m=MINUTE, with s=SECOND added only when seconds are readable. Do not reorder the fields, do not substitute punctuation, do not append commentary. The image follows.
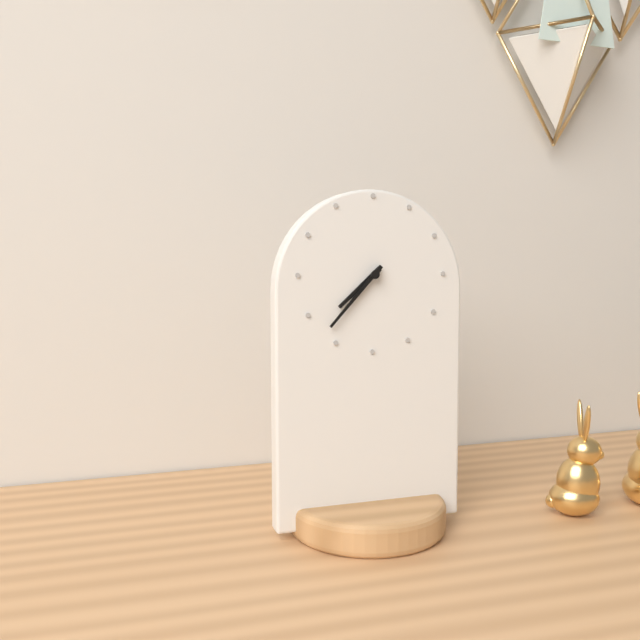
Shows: h=7 m=37
